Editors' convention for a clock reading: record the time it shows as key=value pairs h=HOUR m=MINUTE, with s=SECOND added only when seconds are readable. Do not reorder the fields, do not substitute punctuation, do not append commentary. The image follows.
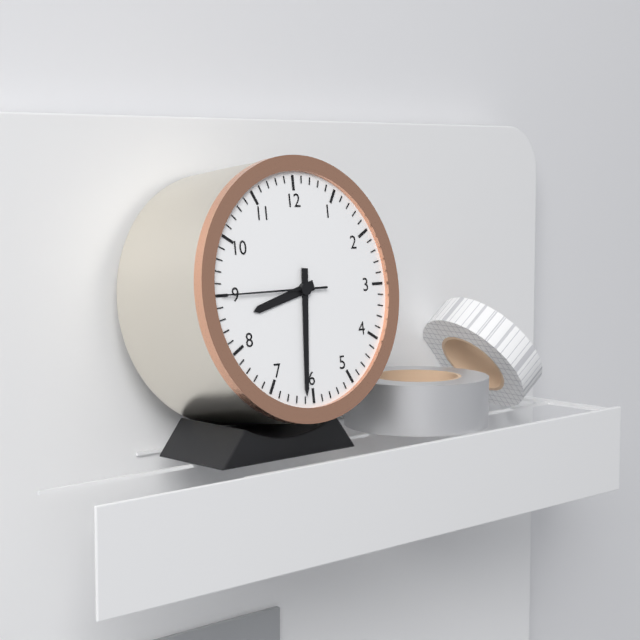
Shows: h=8 m=31 s=45
